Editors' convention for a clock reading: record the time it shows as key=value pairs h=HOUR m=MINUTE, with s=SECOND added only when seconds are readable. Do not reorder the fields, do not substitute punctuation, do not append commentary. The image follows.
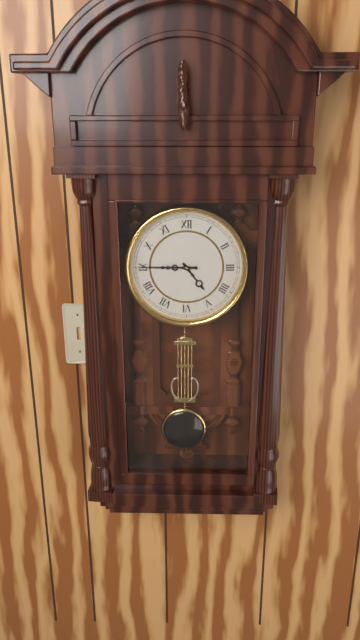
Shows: h=4 m=45
